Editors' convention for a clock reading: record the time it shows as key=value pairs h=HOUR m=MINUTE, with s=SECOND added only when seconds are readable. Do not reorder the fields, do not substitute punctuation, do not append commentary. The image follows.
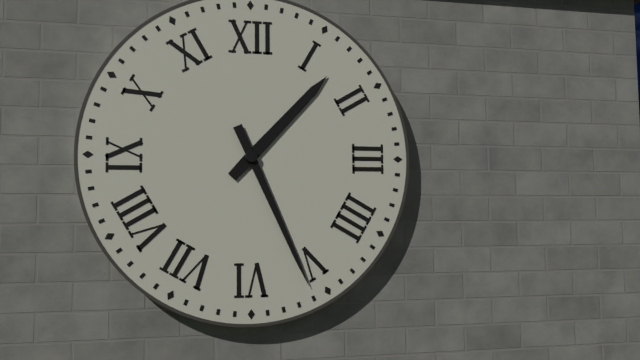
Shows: h=1 m=26
